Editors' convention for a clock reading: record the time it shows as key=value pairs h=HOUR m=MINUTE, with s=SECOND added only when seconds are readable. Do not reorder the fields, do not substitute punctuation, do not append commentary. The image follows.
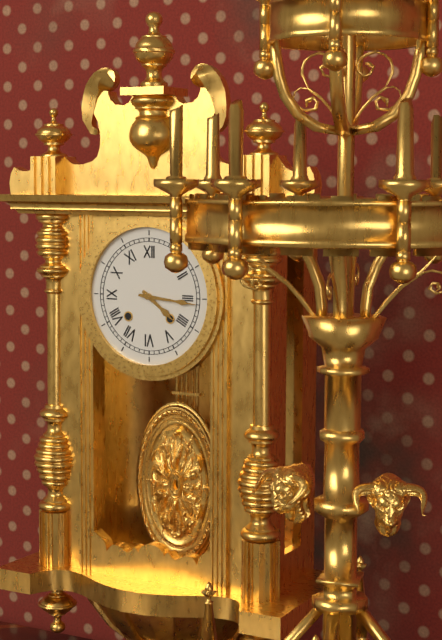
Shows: h=4 m=16
